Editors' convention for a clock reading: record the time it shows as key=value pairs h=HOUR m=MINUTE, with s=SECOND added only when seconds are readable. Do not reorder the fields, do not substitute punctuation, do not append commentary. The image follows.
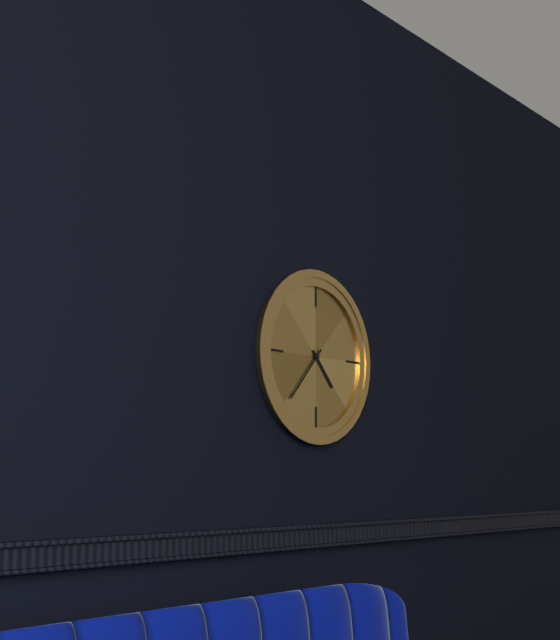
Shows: h=4 m=37
